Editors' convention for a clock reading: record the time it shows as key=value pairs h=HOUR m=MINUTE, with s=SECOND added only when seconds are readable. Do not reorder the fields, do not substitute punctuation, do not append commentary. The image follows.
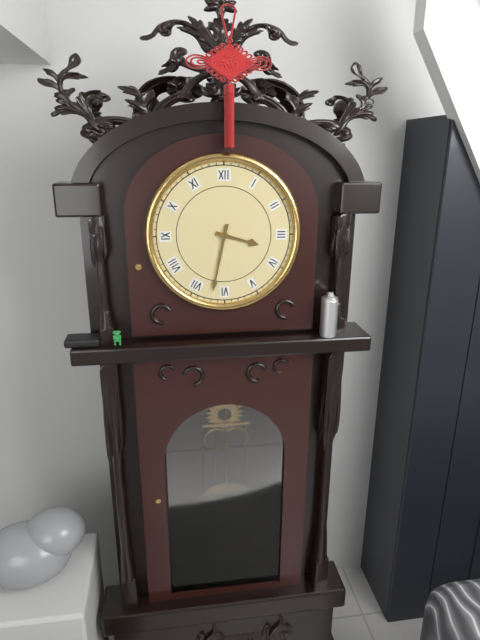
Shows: h=3 m=32
